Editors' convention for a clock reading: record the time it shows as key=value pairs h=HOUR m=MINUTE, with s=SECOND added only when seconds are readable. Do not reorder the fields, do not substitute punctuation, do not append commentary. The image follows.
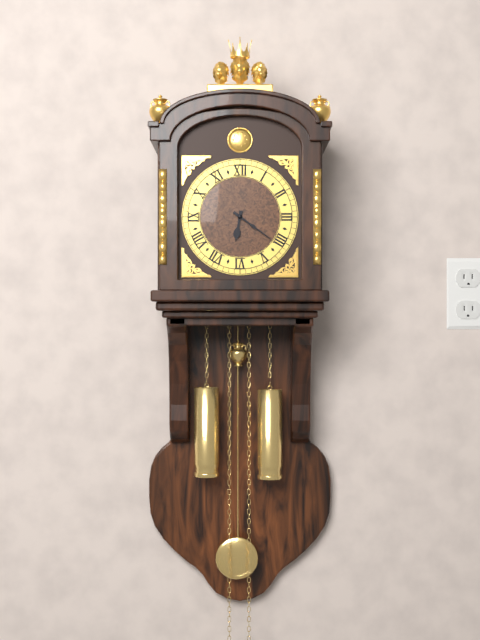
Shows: h=6 m=21
